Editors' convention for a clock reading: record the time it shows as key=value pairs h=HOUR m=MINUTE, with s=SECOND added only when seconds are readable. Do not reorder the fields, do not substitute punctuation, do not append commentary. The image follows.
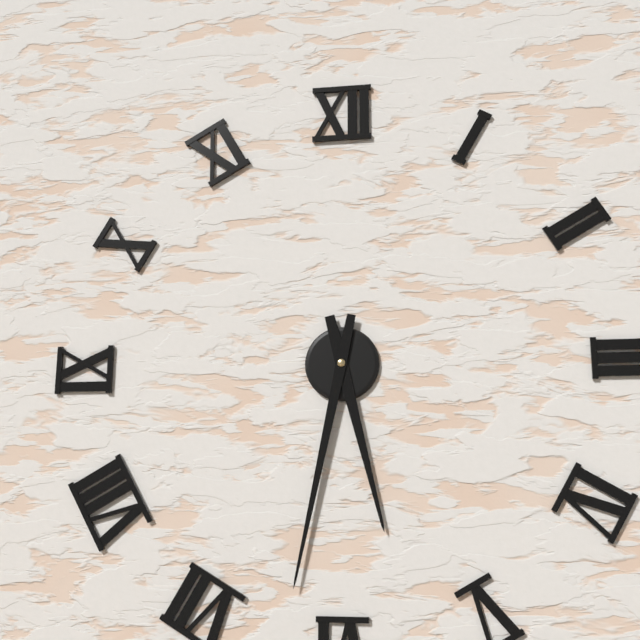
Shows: h=5 m=32
